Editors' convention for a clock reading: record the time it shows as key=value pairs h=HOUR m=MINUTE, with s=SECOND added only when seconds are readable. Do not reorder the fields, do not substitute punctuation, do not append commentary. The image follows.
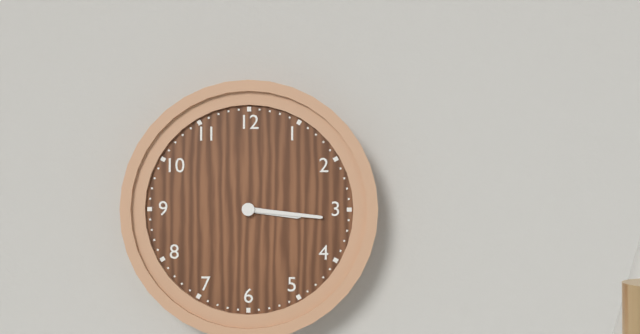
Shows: h=3 m=16
